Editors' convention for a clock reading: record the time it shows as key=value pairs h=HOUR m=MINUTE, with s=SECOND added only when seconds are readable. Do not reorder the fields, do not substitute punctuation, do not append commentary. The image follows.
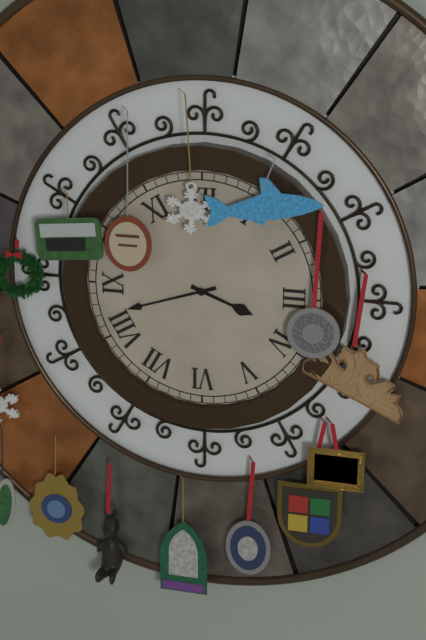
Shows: h=3 m=42
